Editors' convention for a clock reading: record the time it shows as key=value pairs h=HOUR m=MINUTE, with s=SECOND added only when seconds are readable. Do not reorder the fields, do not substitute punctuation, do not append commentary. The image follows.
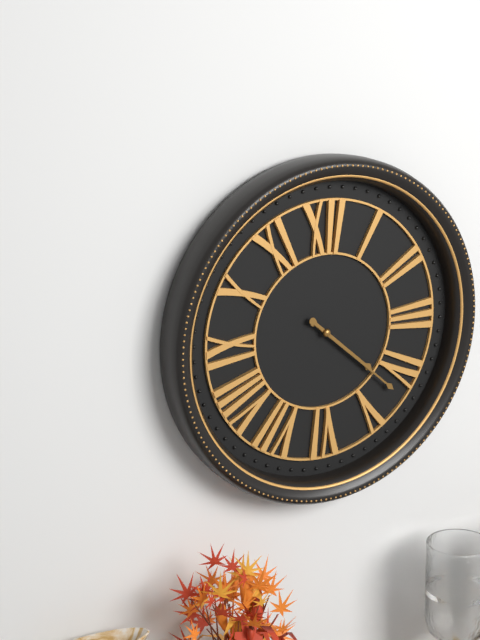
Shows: h=4 m=22
